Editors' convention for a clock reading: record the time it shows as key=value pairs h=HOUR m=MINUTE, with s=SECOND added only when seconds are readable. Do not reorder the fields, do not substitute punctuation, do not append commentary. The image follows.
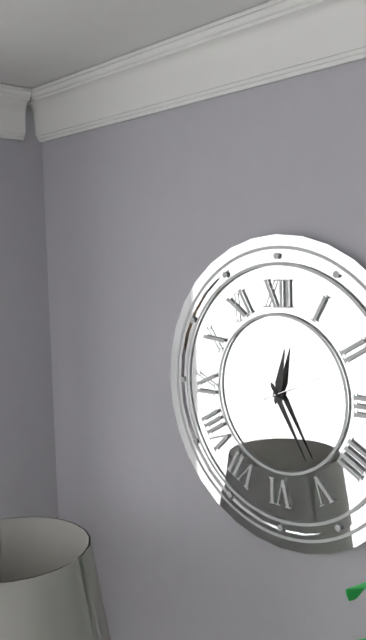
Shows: h=12 m=25 s=11
